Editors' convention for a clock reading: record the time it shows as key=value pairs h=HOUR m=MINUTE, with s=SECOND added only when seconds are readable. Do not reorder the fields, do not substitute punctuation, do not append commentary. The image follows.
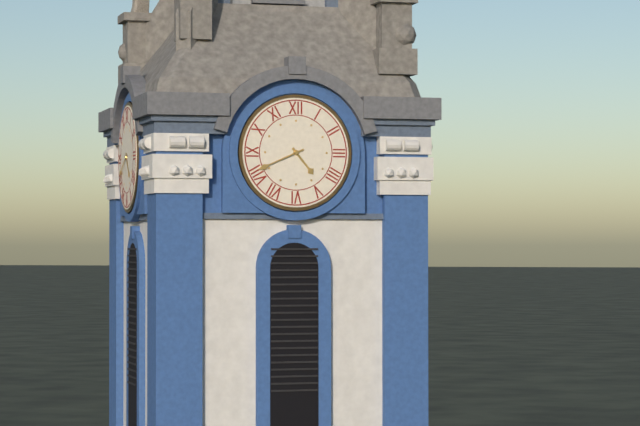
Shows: h=4 m=41
